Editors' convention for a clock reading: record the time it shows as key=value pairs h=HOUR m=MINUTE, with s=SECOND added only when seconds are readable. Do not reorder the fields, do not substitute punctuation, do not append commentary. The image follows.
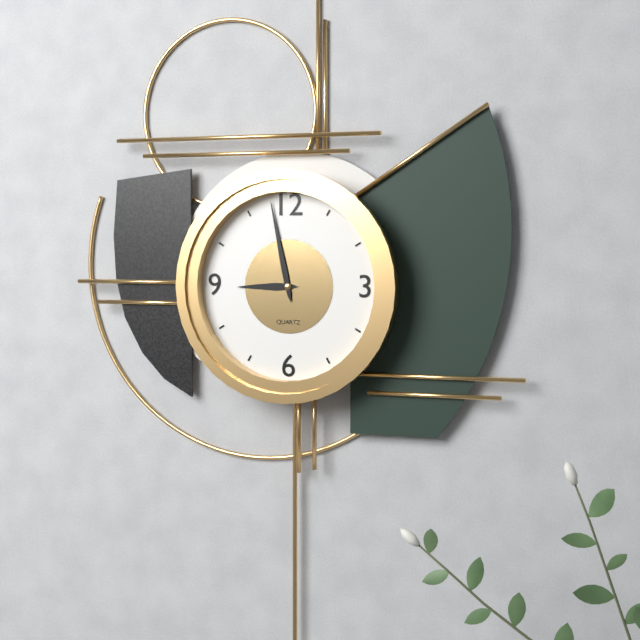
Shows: h=8 m=58
